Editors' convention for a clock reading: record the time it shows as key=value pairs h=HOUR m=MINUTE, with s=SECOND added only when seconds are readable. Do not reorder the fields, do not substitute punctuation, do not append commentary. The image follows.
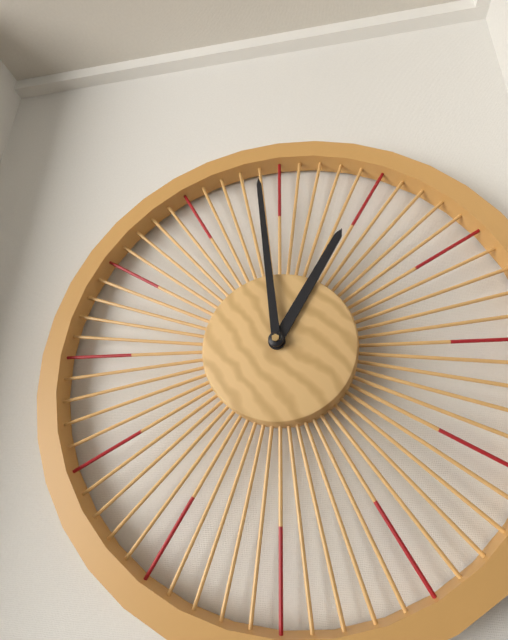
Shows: h=12 m=59
